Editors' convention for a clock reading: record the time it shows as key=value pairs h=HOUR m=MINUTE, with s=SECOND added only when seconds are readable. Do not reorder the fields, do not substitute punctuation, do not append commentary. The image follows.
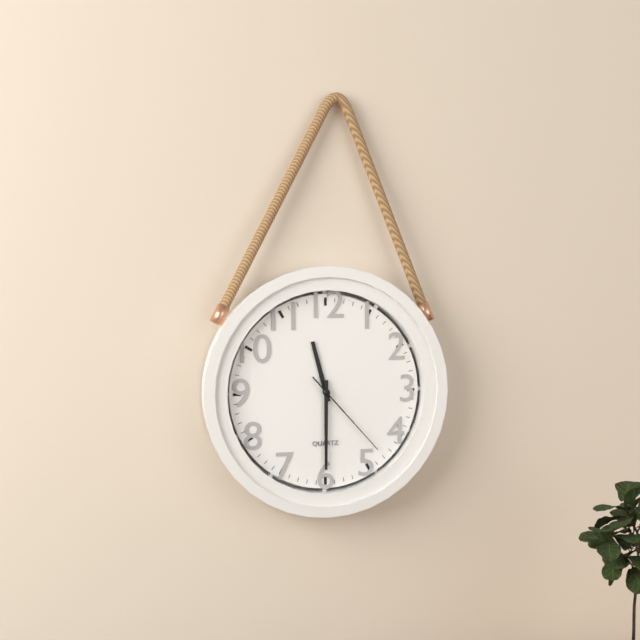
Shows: h=11 m=30 s=23
